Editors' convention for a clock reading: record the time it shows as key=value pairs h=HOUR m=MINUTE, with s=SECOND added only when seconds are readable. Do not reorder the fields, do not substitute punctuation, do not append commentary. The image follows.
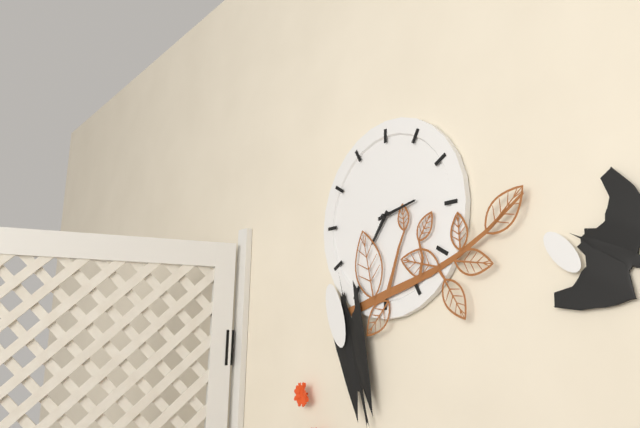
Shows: h=7 m=13
